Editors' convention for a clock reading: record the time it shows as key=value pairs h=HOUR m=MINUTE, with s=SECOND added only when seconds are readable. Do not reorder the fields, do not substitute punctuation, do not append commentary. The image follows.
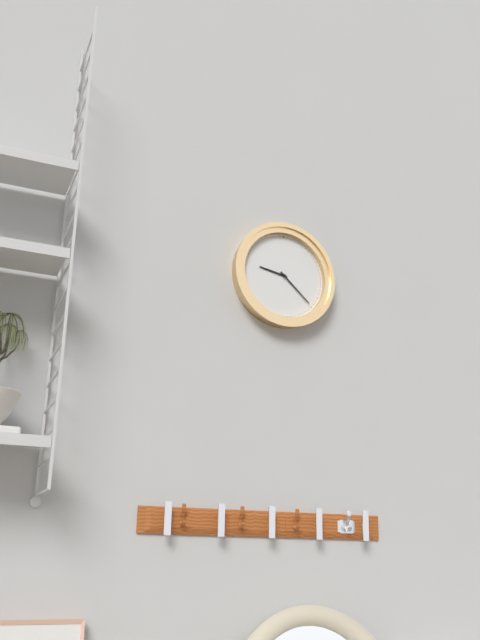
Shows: h=9 m=22
